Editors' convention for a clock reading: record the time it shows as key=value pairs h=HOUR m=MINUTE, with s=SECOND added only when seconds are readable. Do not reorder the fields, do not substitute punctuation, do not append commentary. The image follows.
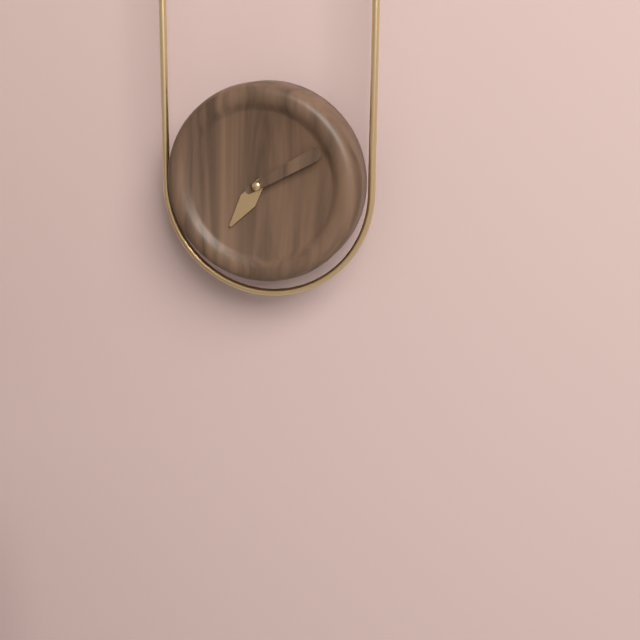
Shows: h=7 m=10
